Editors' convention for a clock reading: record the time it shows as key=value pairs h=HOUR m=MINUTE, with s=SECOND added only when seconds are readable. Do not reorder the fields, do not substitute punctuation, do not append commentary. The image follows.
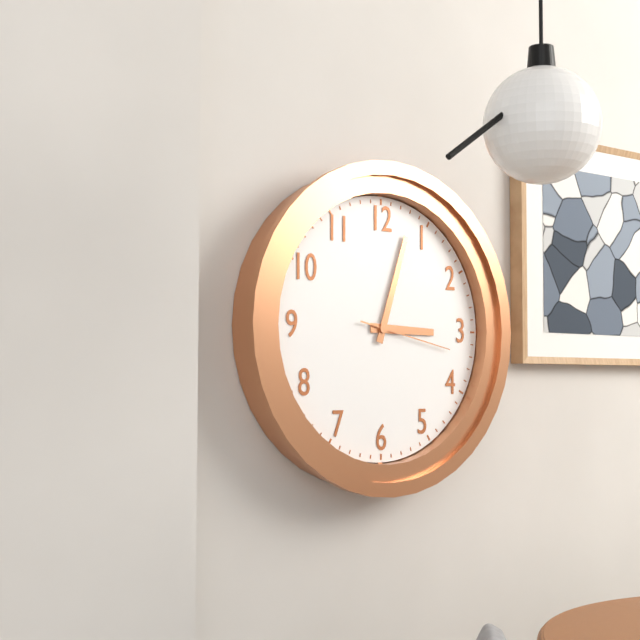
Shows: h=3 m=3 s=17
